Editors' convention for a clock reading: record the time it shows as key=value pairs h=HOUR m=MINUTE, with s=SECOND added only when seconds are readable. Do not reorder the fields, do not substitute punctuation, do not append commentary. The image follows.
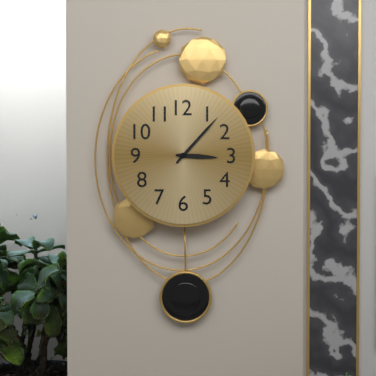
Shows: h=3 m=7
